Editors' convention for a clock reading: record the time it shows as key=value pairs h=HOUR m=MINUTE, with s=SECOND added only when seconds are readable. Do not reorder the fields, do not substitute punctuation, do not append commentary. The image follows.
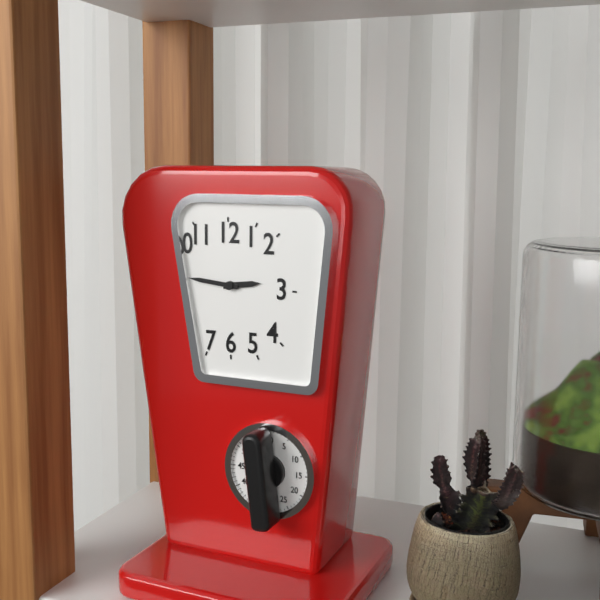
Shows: h=2 m=46
